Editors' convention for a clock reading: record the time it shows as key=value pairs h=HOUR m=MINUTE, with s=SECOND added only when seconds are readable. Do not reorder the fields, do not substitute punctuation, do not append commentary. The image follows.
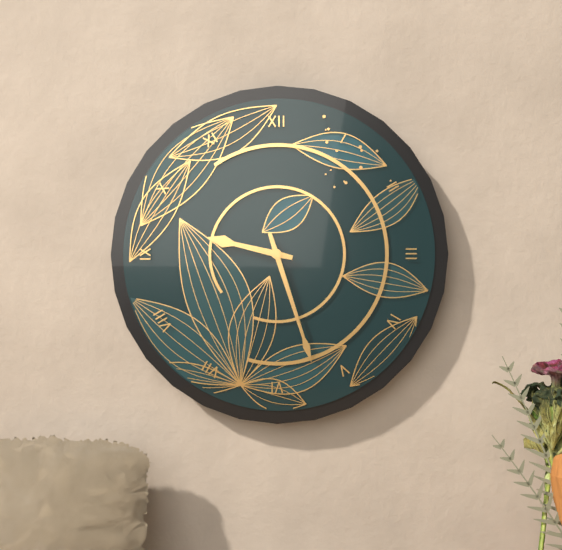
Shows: h=9 m=27
